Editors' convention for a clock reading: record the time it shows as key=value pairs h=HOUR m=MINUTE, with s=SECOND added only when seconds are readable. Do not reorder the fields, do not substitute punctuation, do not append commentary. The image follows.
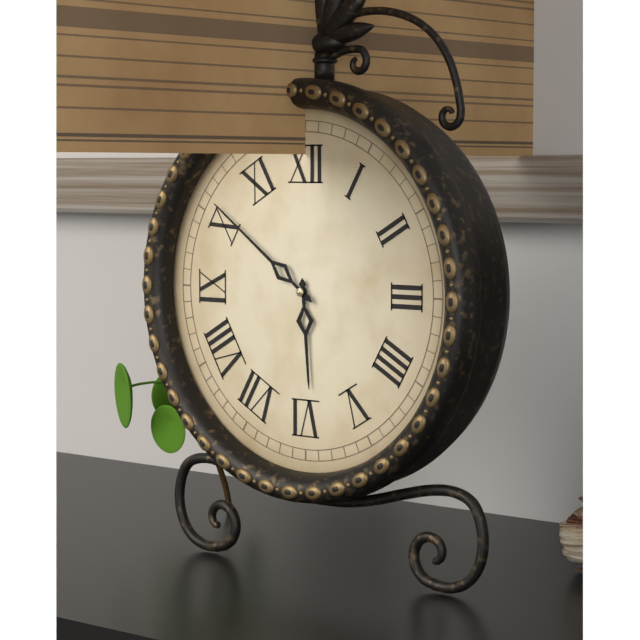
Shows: h=5 m=51
